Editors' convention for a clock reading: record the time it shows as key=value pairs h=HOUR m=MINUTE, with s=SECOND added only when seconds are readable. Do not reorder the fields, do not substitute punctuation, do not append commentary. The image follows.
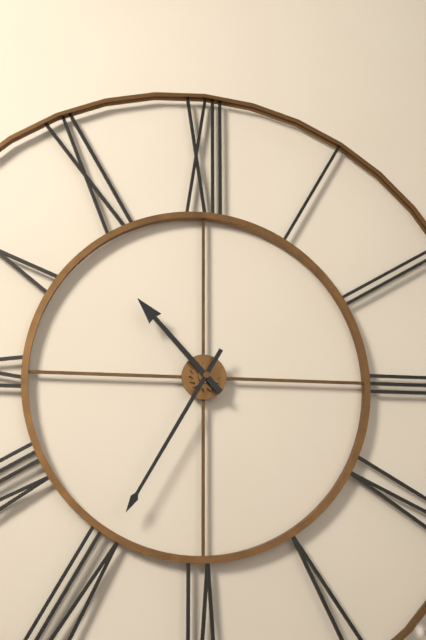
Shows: h=10 m=35
